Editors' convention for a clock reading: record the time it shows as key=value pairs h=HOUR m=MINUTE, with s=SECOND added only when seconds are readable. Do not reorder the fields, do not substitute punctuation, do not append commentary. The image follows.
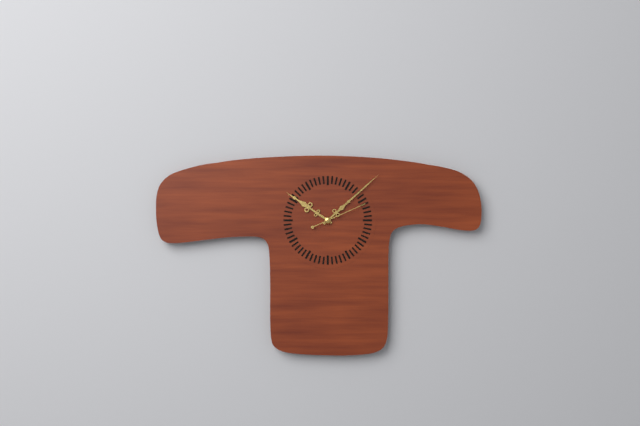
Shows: h=10 m=8 s=11
